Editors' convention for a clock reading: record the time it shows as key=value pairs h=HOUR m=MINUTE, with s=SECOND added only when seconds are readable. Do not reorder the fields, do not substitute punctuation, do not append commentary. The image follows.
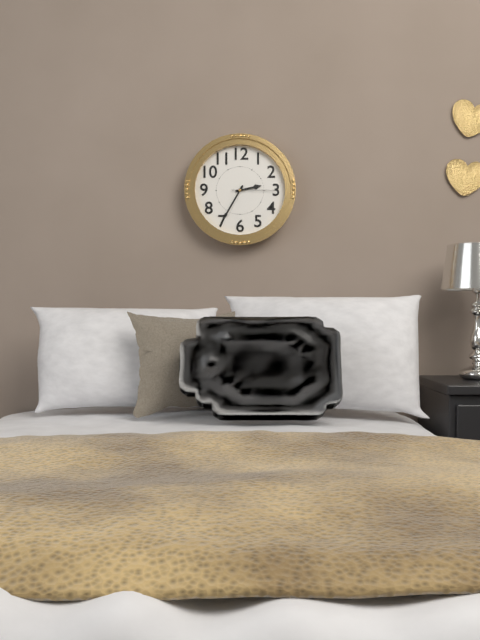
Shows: h=2 m=35
